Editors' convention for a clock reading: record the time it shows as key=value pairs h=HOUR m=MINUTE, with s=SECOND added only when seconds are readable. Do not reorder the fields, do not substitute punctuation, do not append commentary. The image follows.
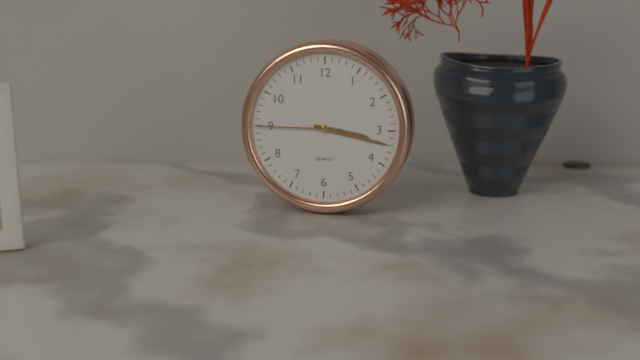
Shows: h=3 m=17 s=45
